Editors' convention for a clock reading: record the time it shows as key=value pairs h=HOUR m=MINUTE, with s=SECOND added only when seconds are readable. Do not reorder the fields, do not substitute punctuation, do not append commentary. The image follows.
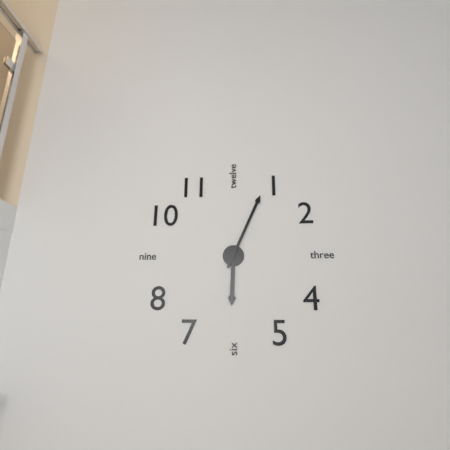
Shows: h=6 m=4
